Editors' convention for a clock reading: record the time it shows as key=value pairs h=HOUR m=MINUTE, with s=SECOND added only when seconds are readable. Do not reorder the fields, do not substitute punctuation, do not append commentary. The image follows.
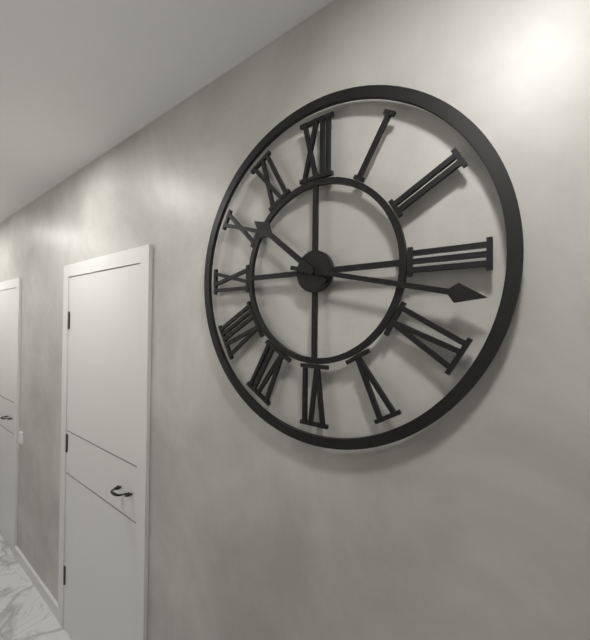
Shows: h=10 m=17
